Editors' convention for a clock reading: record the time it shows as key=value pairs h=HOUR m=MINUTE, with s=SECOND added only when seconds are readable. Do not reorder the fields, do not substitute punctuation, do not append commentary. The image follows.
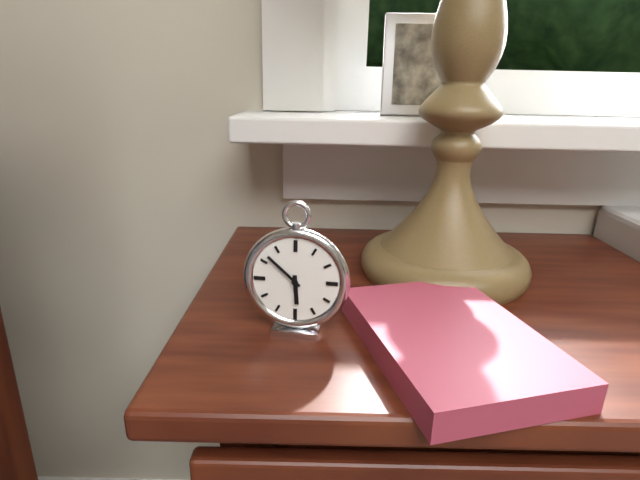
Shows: h=5 m=52
